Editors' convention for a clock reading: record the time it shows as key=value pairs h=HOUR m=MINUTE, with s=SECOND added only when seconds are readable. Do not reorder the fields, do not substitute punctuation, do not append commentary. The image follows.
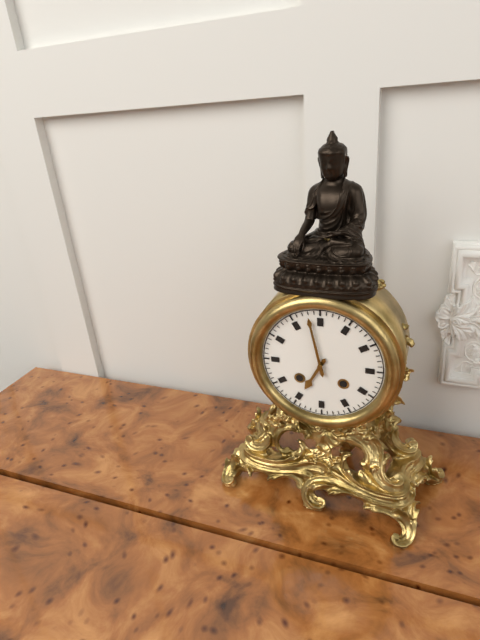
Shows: h=6 m=58
